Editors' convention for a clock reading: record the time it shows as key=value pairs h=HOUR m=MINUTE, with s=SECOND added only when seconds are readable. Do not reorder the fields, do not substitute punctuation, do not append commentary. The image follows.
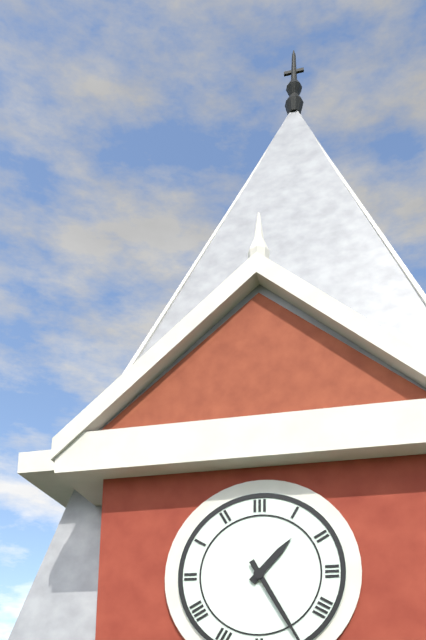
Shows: h=1 m=25
